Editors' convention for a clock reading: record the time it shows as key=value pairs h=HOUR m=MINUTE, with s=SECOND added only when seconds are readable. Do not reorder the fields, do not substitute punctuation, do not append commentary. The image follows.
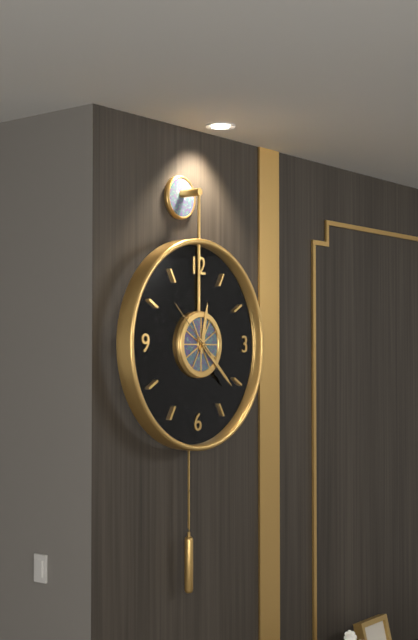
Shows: h=12 m=22 s=52
